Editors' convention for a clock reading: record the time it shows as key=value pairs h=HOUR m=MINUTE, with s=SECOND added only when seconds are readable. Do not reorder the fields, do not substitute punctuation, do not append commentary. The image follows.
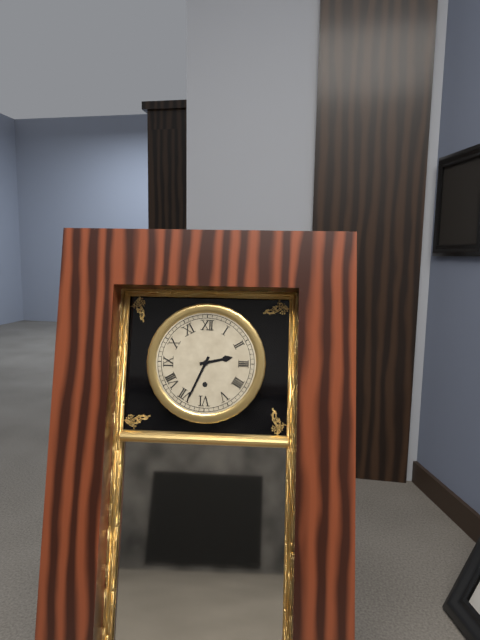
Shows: h=2 m=34
